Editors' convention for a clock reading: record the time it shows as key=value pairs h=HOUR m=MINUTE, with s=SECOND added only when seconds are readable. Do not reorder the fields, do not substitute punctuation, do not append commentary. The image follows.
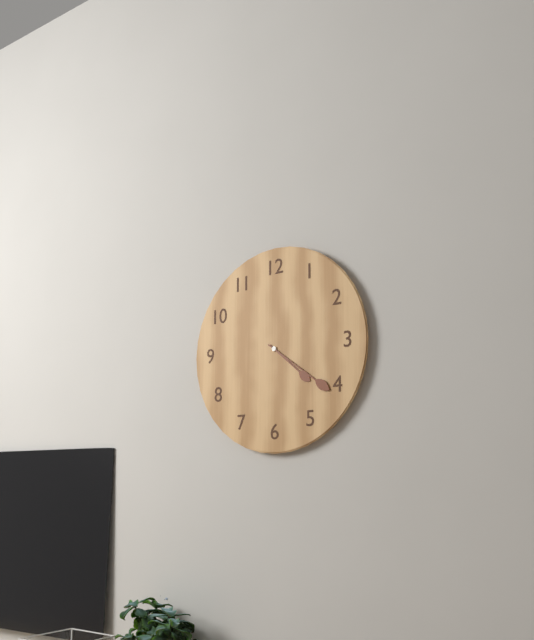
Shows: h=4 m=21
